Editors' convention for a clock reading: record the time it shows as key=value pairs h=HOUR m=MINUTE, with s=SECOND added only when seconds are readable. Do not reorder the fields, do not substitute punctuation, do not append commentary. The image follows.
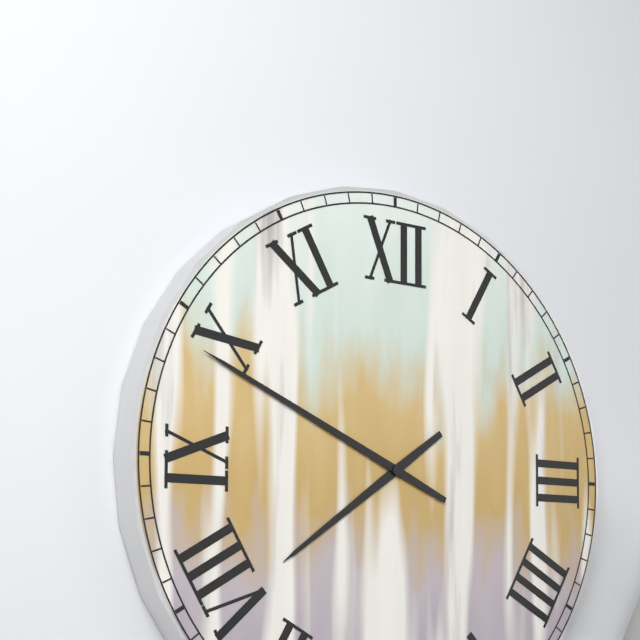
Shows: h=7 m=49
